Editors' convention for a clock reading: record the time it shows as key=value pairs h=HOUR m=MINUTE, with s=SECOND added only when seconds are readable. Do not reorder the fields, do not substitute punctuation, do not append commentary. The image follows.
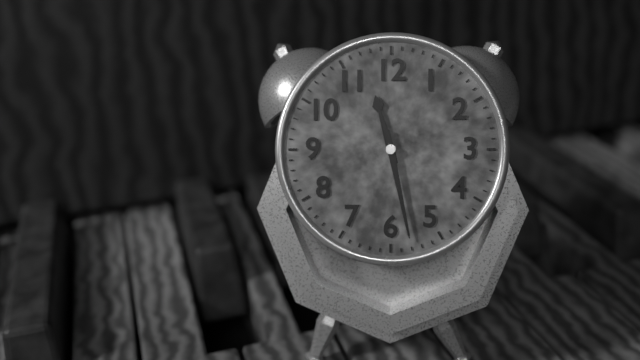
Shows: h=11 m=28
